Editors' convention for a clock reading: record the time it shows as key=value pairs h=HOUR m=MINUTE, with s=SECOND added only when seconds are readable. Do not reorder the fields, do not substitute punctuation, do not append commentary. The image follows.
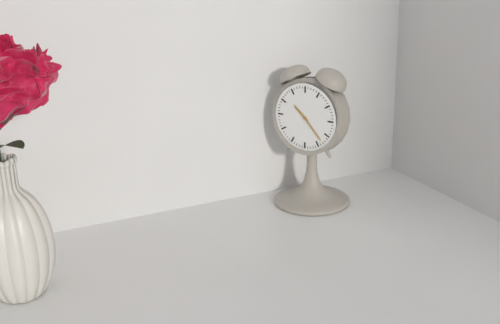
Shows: h=10 m=23
